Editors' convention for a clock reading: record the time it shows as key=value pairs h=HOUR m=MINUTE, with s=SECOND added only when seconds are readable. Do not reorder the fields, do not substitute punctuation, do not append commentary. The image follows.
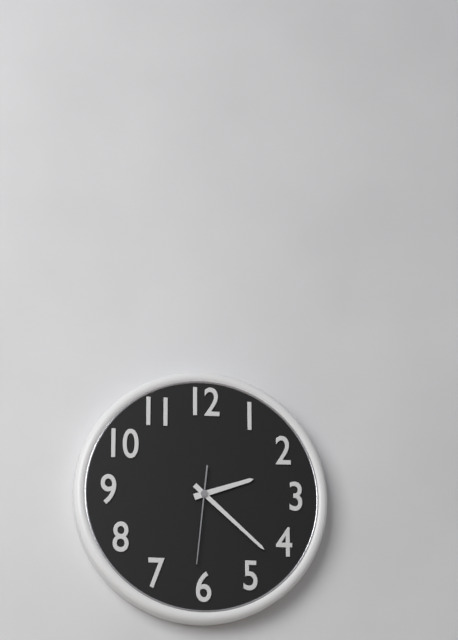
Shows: h=2 m=22 s=31
